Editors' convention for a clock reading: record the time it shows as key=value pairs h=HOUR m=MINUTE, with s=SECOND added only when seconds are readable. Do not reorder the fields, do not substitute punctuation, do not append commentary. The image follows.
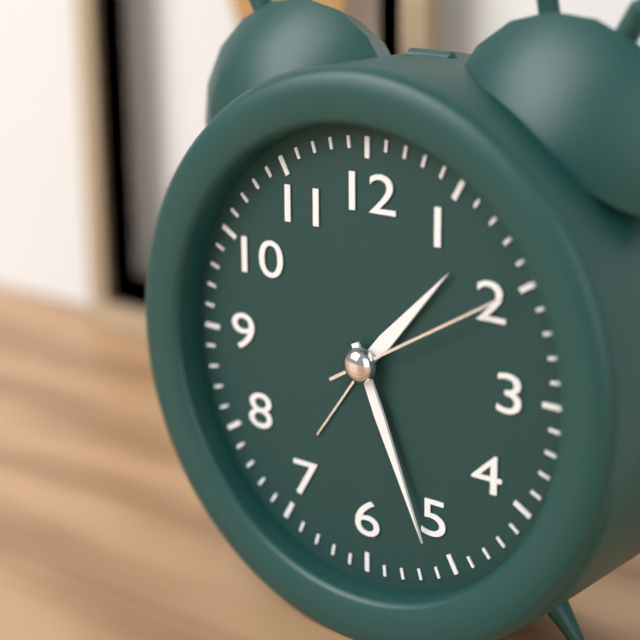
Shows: h=1 m=26 s=10
